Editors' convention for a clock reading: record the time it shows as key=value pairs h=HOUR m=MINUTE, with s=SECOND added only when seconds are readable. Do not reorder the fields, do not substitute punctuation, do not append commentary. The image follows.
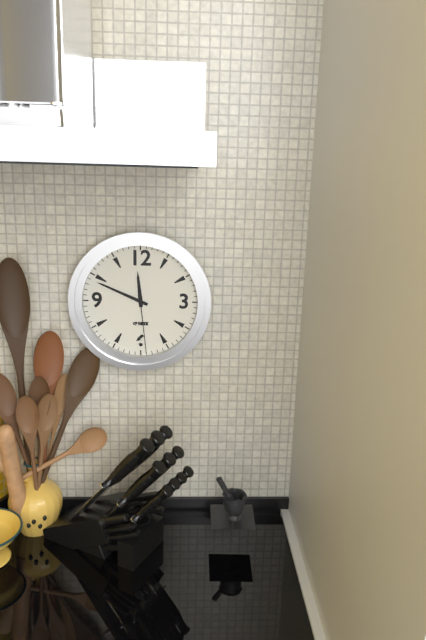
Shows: h=11 m=49 s=29
